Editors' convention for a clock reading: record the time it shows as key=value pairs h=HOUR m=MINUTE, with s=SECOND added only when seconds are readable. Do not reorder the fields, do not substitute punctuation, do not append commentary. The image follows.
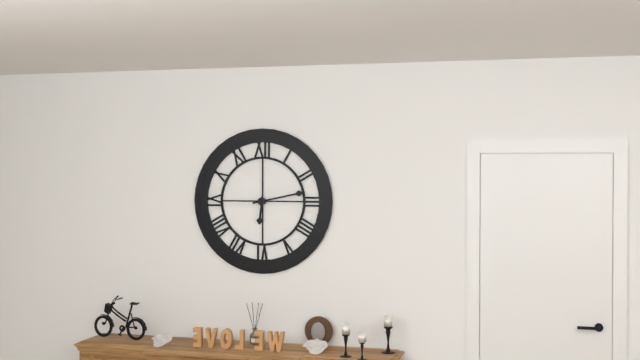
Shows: h=6 m=13
